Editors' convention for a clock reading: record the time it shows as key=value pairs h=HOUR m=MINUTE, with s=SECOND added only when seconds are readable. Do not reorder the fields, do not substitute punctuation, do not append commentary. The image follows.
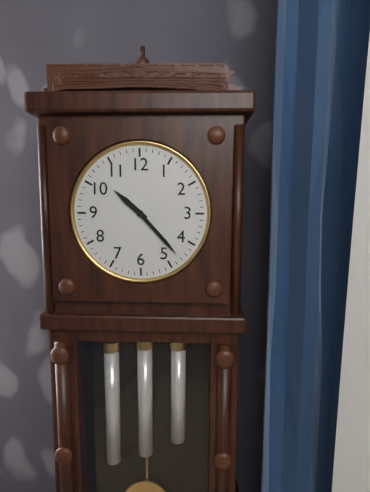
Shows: h=10 m=23
